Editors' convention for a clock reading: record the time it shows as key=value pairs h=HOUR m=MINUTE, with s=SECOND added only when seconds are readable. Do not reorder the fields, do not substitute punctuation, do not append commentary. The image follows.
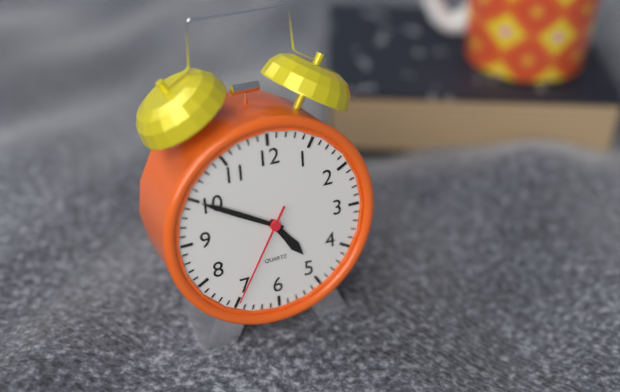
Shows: h=4 m=50 s=35
